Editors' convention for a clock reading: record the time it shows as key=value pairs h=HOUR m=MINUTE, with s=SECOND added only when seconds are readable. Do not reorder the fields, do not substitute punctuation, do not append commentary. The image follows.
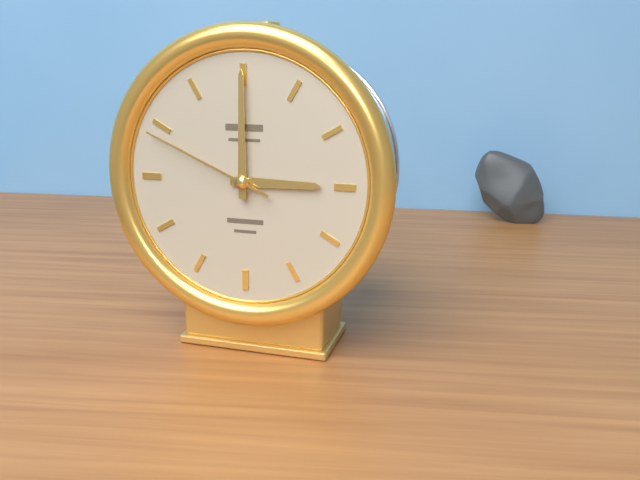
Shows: h=3 m=0 s=49
